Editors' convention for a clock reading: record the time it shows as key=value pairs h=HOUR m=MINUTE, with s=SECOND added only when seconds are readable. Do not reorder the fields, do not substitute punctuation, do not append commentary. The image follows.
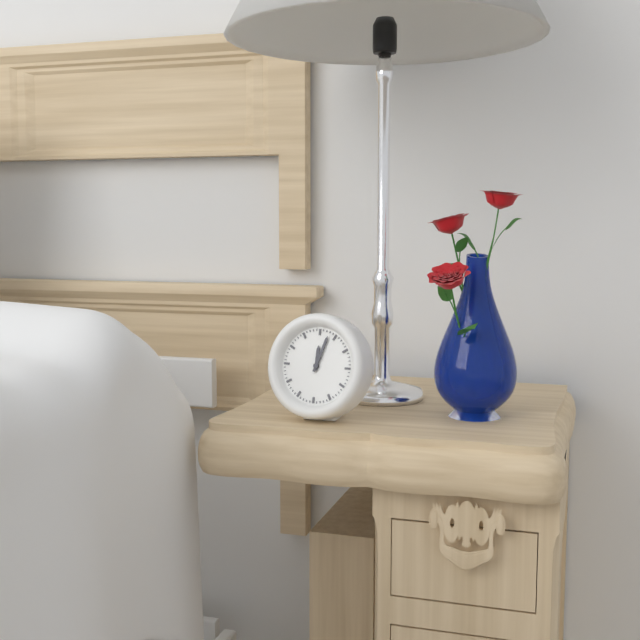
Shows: h=12 m=3
